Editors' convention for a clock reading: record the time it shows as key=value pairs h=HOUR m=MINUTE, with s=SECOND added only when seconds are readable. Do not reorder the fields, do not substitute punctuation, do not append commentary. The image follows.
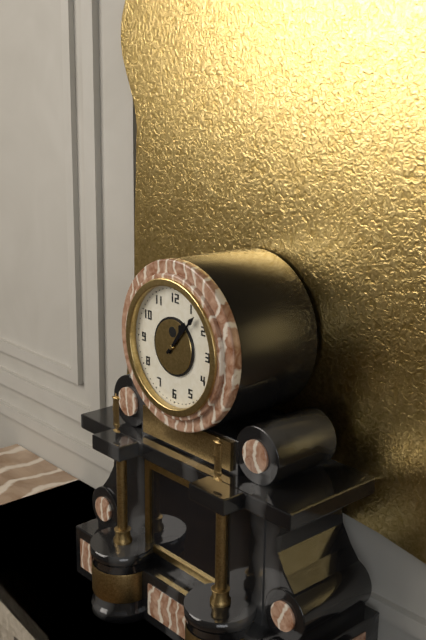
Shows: h=1 m=7
